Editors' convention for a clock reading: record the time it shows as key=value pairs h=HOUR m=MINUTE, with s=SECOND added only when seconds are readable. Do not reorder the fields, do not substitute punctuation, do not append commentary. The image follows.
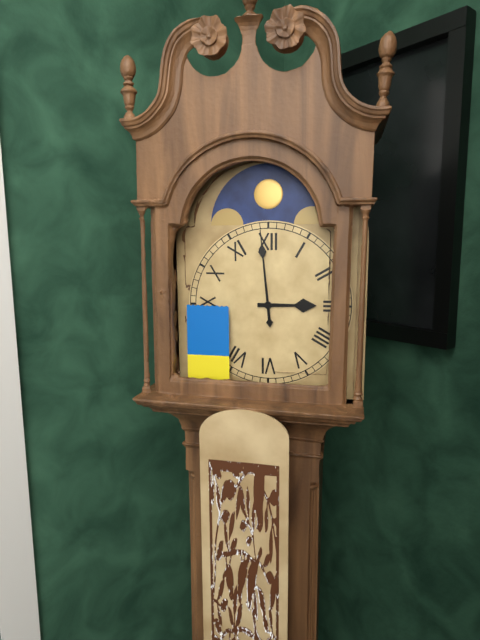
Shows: h=2 m=59
